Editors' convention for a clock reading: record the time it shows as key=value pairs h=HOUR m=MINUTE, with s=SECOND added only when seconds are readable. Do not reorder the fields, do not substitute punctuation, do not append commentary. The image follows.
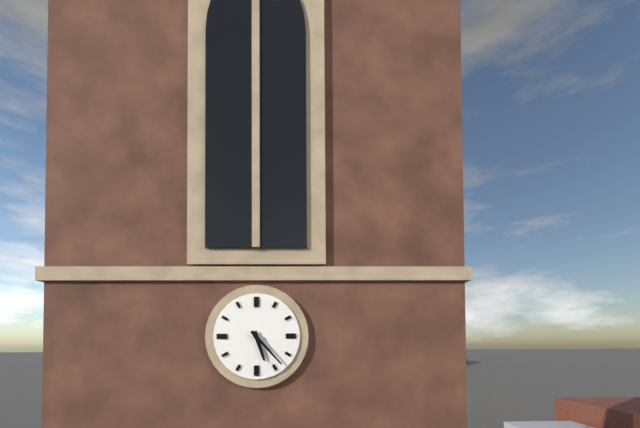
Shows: h=5 m=23
